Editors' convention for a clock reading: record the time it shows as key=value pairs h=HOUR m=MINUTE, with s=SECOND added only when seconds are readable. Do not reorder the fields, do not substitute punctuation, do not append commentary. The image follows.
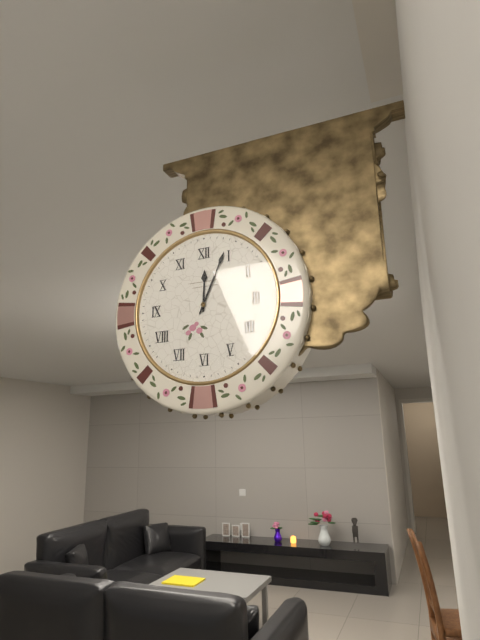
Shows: h=12 m=4
